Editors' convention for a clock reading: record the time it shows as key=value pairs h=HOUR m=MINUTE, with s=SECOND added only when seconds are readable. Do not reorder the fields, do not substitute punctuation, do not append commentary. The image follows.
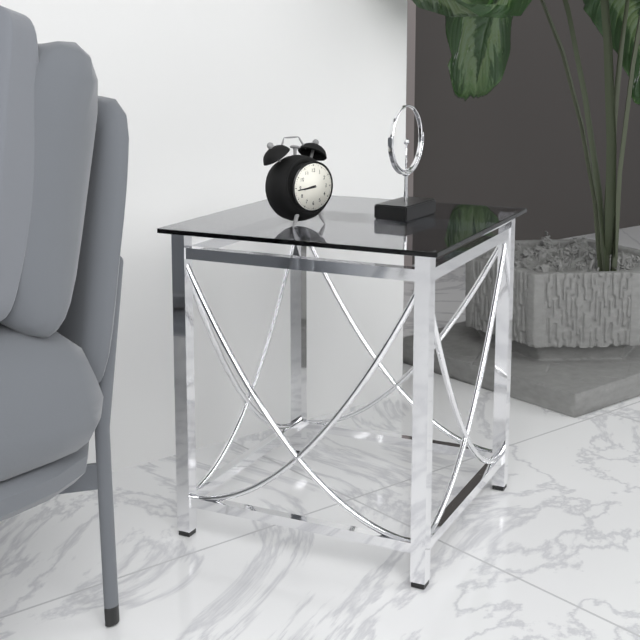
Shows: h=8 m=44
